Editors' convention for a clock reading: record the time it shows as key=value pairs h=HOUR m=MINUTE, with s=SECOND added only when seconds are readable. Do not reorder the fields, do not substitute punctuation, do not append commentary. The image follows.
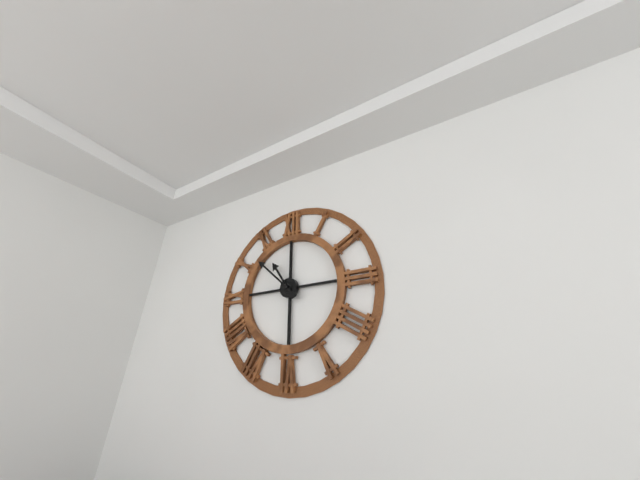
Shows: h=10 m=52
